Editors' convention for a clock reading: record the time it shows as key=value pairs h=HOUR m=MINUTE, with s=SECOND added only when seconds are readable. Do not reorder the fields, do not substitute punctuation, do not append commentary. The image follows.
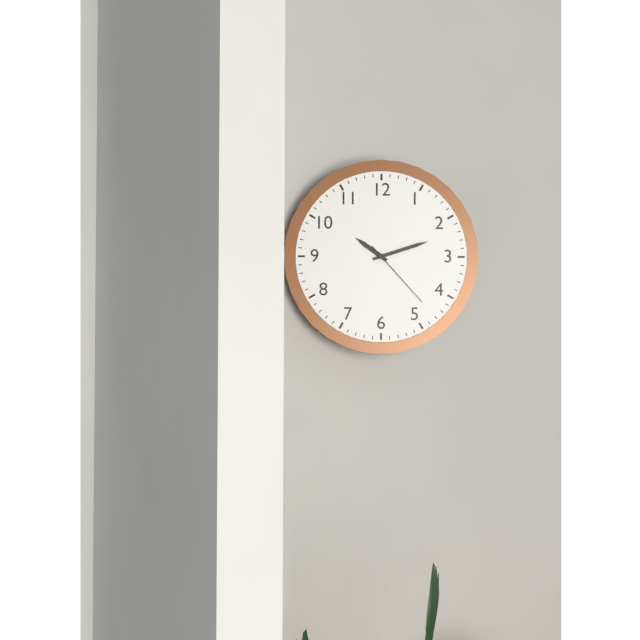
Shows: h=10 m=12 s=23
